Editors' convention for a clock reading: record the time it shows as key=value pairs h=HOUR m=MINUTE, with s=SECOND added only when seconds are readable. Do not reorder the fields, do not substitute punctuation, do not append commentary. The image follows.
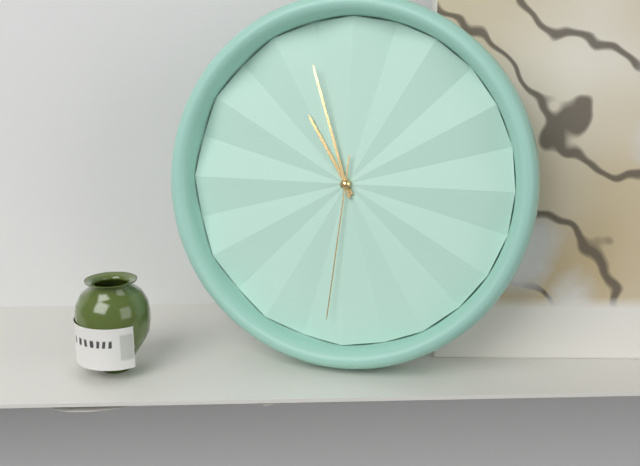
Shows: h=10 m=57 s=31
